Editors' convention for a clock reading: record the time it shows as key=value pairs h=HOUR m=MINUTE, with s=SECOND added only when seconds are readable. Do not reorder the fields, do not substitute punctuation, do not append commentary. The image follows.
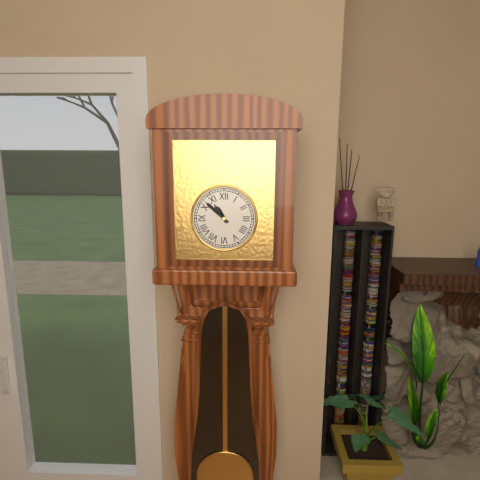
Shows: h=10 m=52
